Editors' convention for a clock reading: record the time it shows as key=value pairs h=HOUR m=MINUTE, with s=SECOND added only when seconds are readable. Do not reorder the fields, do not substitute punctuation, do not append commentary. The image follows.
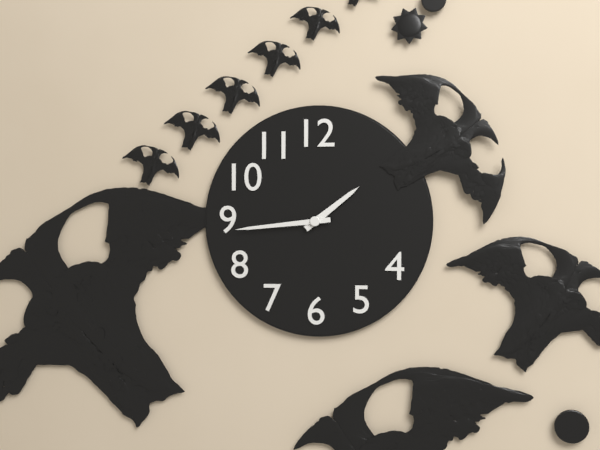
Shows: h=1 m=44
